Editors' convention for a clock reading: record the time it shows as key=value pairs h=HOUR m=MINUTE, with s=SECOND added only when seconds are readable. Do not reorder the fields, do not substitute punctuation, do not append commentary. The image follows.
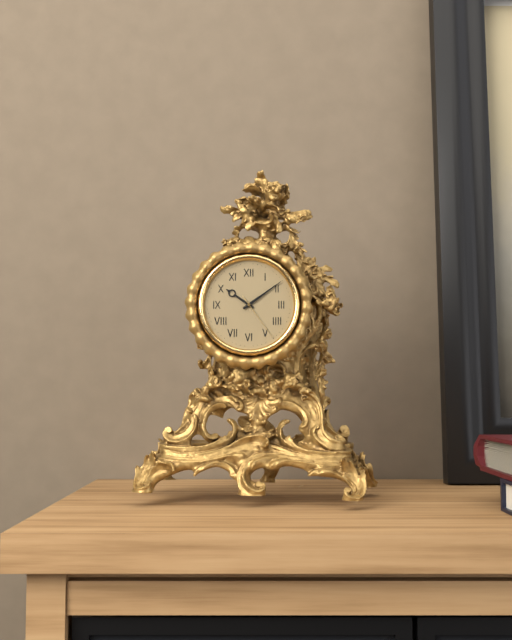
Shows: h=10 m=9 s=24
